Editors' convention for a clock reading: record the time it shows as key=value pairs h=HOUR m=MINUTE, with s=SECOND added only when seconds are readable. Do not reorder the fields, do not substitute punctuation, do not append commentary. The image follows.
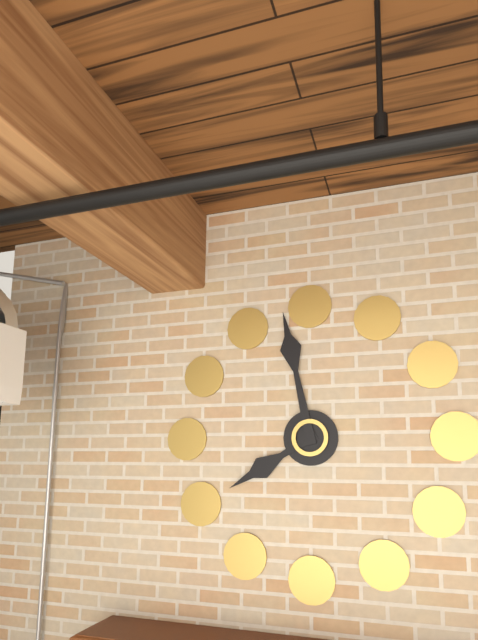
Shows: h=7 m=58
